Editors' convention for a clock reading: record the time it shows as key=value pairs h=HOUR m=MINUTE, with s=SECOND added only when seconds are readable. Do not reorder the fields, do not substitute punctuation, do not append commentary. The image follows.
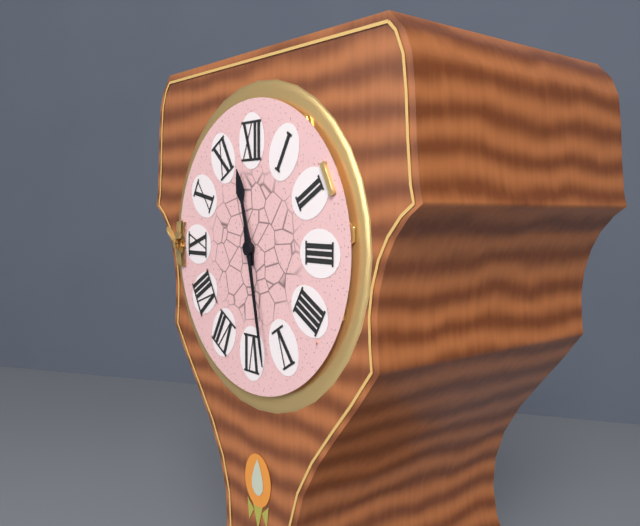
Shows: h=11 m=28
